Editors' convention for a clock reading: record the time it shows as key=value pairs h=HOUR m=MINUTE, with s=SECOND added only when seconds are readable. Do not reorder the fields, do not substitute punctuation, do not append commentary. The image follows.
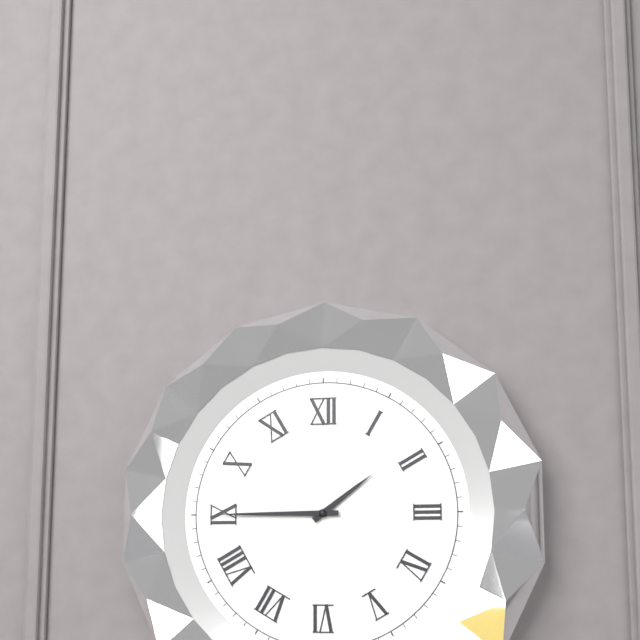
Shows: h=1 m=45
